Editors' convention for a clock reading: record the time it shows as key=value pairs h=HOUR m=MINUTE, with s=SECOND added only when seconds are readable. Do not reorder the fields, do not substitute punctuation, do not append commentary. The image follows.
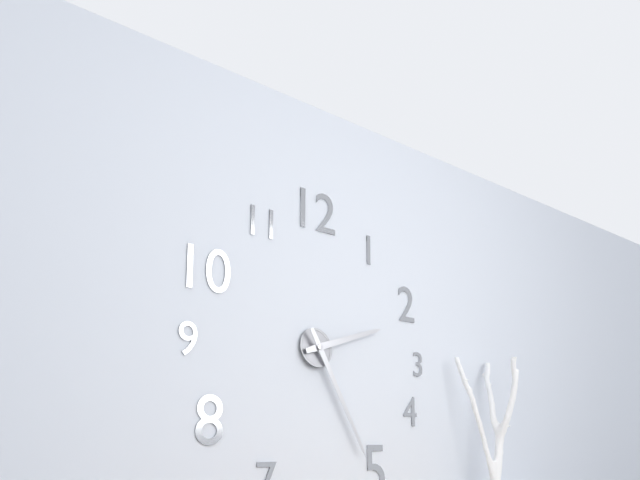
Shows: h=2 m=25
